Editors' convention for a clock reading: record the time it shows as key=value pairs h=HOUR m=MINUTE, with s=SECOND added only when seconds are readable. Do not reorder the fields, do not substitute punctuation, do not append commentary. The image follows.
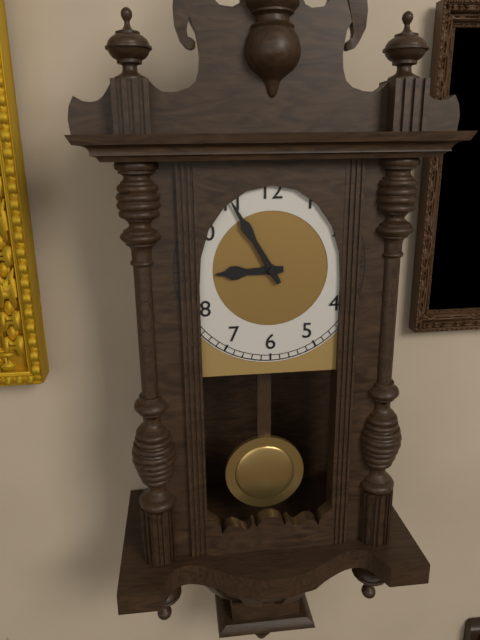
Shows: h=8 m=55
